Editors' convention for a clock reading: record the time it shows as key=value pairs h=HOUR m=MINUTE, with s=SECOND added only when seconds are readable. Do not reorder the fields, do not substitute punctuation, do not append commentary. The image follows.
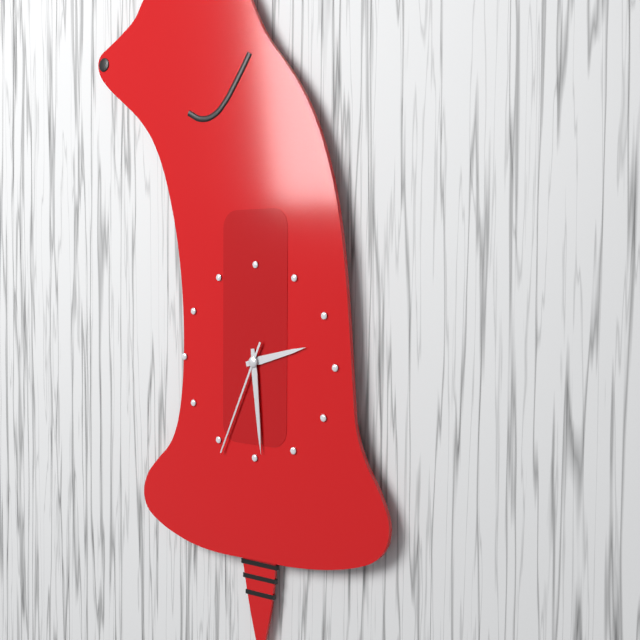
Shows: h=2 m=29 s=34
